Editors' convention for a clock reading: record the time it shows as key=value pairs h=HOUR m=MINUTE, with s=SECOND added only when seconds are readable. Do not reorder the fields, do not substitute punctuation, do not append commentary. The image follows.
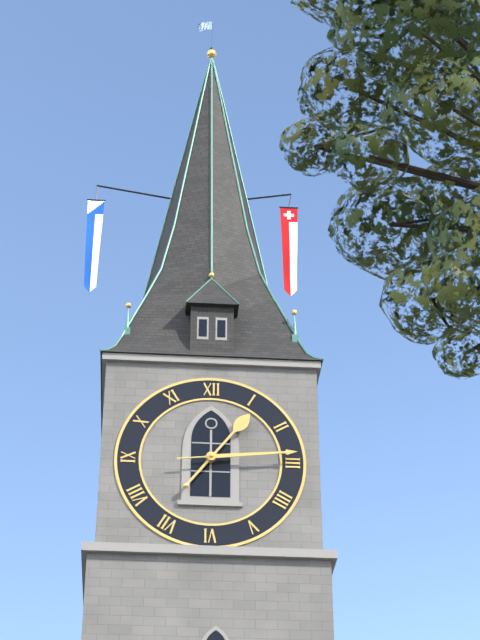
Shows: h=1 m=14
